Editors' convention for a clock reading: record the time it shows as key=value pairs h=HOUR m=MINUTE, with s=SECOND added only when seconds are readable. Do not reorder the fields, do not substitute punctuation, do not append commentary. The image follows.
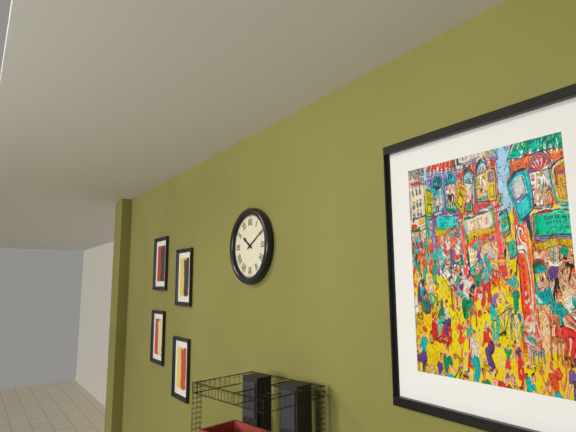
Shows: h=10 m=10
